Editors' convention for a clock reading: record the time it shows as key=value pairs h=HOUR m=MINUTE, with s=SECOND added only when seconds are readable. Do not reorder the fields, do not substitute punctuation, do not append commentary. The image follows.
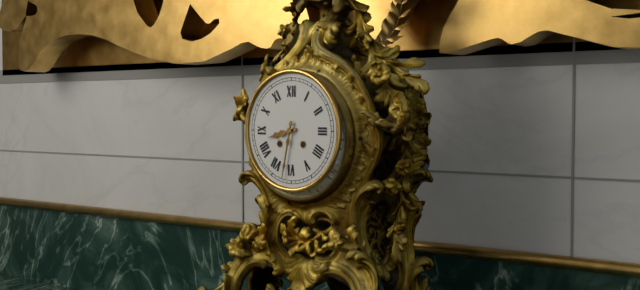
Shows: h=8 m=32
